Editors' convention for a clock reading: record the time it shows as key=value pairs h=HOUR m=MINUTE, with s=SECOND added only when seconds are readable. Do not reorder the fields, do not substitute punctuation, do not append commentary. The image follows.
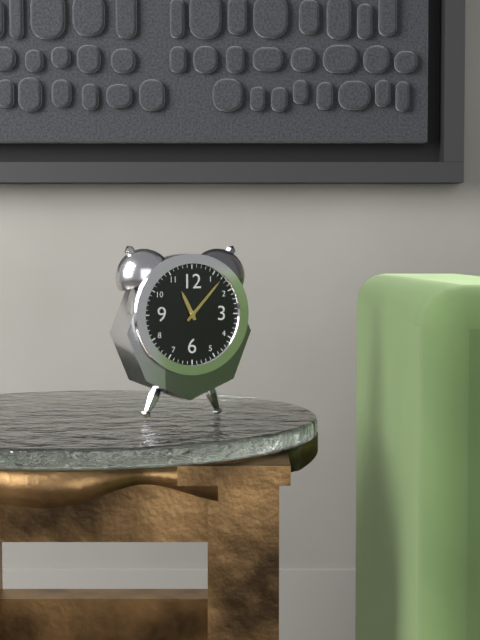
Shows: h=11 m=7
